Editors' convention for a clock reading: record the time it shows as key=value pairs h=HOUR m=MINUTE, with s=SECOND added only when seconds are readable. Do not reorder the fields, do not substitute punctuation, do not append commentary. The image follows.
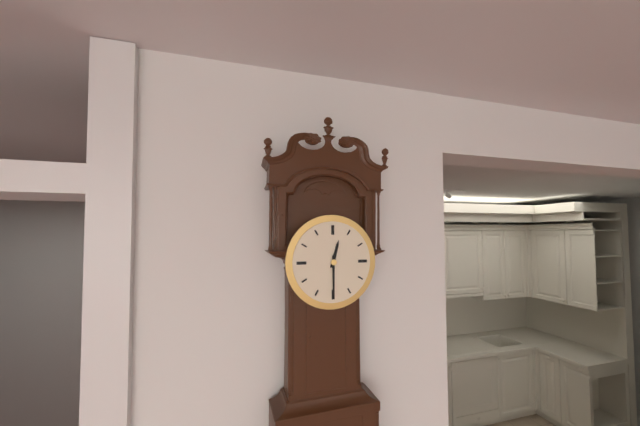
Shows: h=12 m=30
